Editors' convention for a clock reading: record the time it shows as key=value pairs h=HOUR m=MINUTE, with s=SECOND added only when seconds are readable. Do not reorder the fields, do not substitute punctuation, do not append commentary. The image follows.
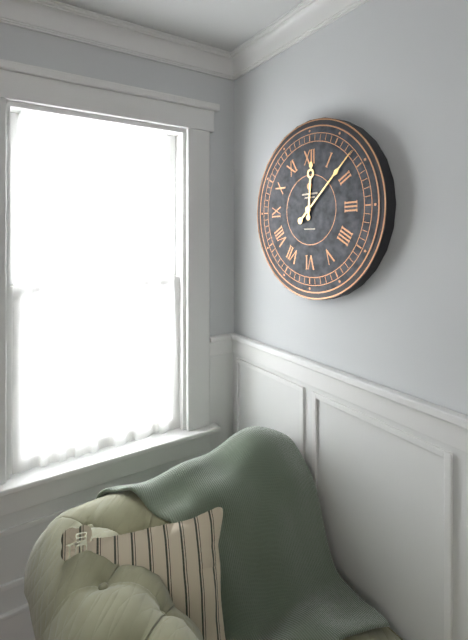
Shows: h=12 m=8
